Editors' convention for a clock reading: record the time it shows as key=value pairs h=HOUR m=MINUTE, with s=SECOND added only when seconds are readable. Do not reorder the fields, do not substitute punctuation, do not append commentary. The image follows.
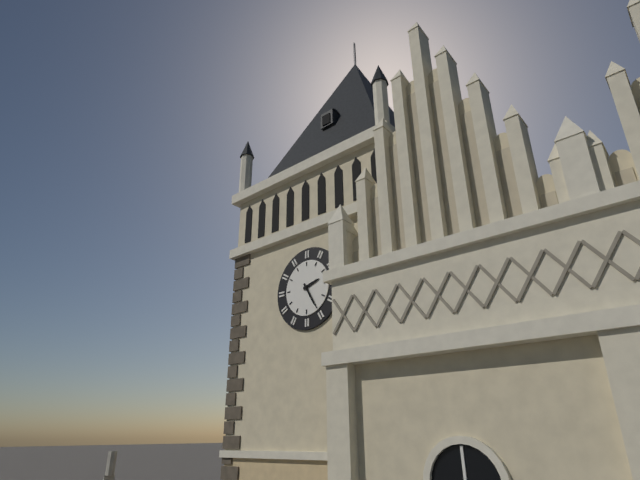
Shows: h=2 m=25
